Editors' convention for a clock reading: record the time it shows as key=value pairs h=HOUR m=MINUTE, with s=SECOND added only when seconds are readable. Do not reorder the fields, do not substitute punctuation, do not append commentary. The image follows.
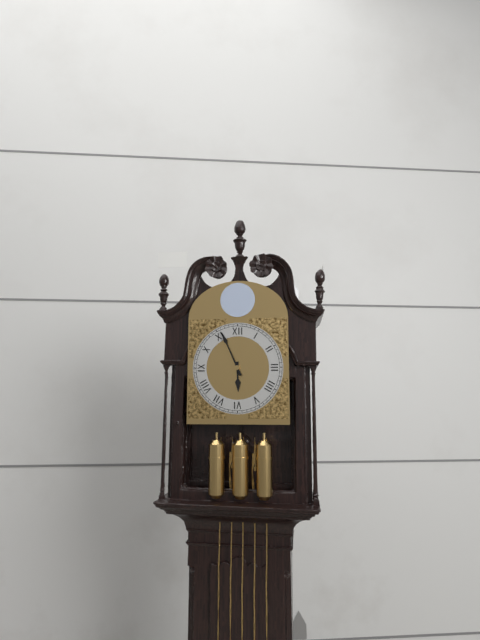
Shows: h=5 m=56
